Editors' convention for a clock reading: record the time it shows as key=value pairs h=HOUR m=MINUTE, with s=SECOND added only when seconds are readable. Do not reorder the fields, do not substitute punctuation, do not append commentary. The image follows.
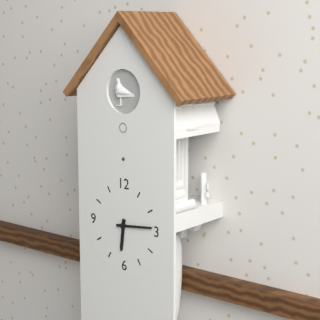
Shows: h=6 m=14
